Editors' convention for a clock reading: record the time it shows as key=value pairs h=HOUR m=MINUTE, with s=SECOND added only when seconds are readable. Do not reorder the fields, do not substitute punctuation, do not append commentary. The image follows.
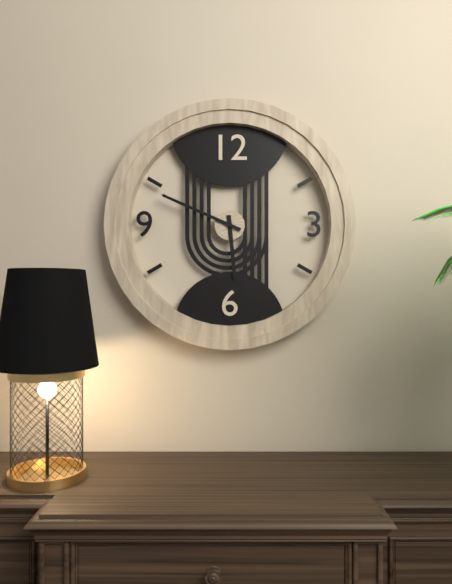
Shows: h=5 m=49
